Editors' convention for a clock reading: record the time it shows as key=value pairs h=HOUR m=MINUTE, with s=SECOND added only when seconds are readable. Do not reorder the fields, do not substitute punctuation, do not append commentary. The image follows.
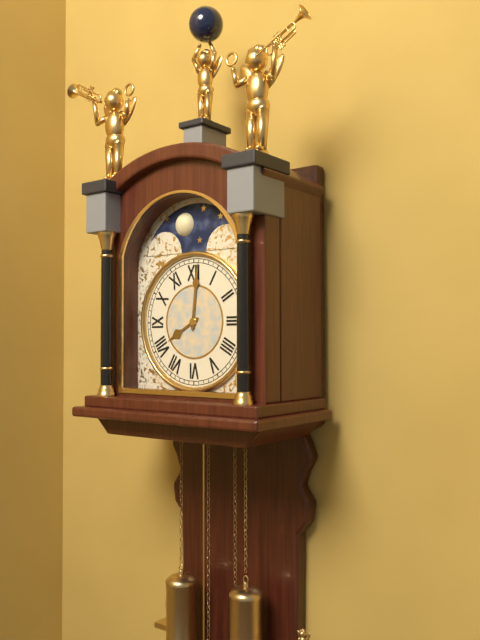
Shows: h=8 m=1
